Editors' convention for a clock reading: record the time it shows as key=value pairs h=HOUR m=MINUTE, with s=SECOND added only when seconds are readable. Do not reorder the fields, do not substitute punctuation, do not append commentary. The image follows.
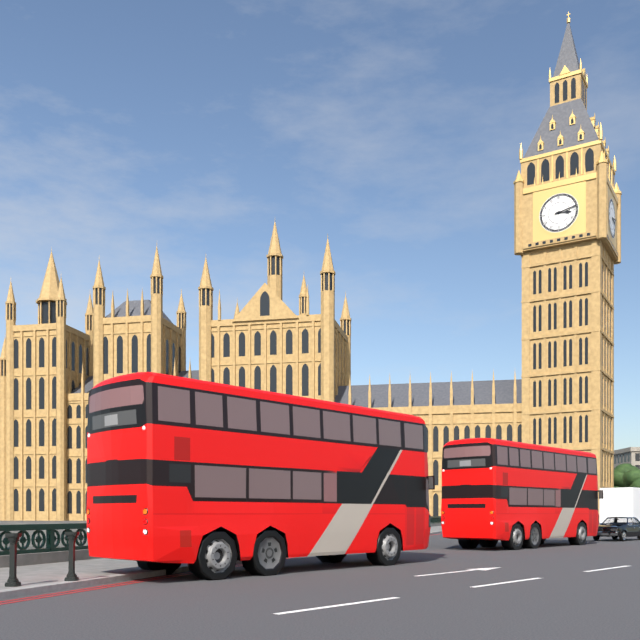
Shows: h=3 m=13
